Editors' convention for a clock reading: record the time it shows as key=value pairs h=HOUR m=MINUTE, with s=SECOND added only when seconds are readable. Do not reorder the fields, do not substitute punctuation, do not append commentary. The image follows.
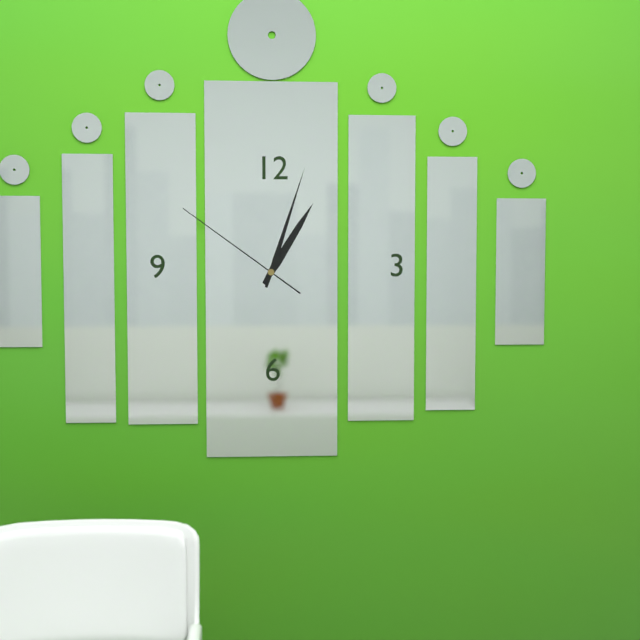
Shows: h=1 m=3 s=51
